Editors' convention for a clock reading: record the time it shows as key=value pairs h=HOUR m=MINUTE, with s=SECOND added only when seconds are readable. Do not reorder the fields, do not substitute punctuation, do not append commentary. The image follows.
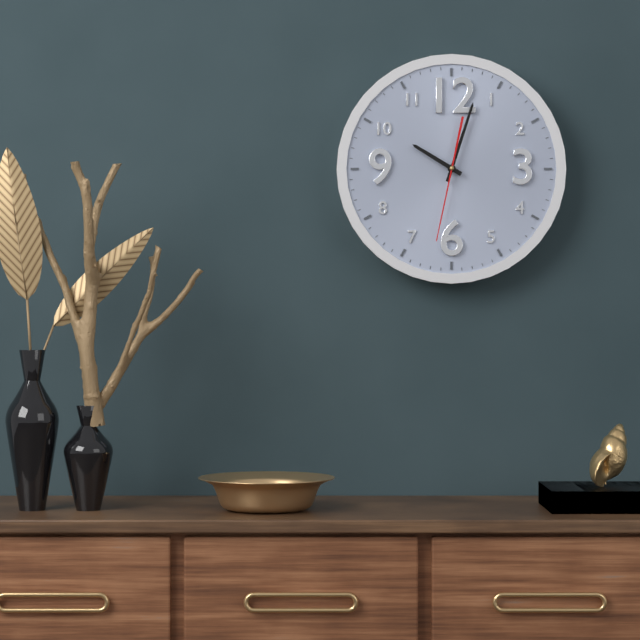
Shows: h=10 m=3 s=32
